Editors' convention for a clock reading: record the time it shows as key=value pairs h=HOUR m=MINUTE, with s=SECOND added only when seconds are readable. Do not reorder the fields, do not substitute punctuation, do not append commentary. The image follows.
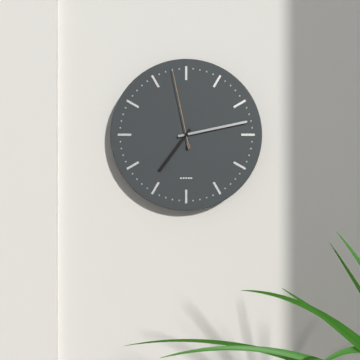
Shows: h=7 m=13 s=58
